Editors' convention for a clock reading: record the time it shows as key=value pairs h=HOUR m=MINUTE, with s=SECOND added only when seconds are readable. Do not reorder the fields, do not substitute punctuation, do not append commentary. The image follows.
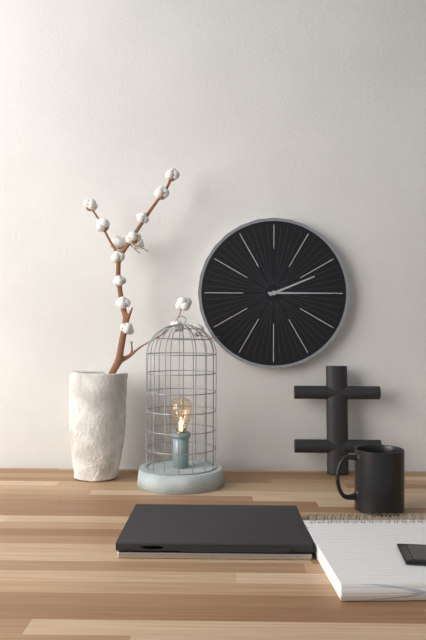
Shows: h=2 m=15
